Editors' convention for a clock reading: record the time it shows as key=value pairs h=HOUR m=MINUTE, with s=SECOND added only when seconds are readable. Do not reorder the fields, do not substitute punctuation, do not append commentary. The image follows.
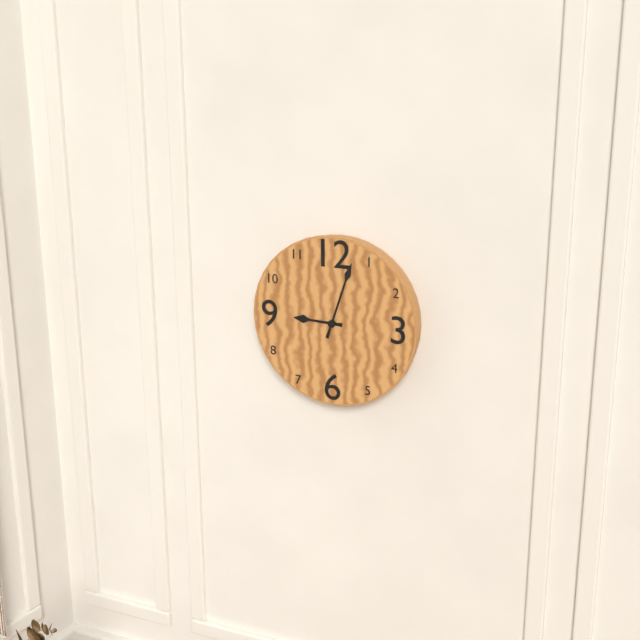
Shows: h=9 m=3
